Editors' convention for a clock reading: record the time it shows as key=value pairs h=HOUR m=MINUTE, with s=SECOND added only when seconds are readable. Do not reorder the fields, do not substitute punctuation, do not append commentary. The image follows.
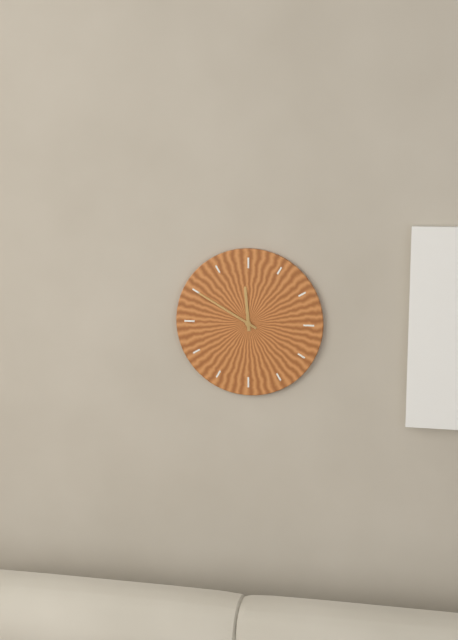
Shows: h=11 m=50
